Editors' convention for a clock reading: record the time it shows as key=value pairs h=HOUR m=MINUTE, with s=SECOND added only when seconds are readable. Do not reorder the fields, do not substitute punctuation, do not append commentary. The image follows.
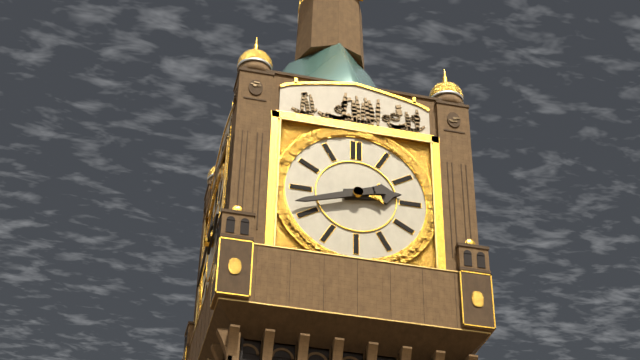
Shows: h=2 m=42
